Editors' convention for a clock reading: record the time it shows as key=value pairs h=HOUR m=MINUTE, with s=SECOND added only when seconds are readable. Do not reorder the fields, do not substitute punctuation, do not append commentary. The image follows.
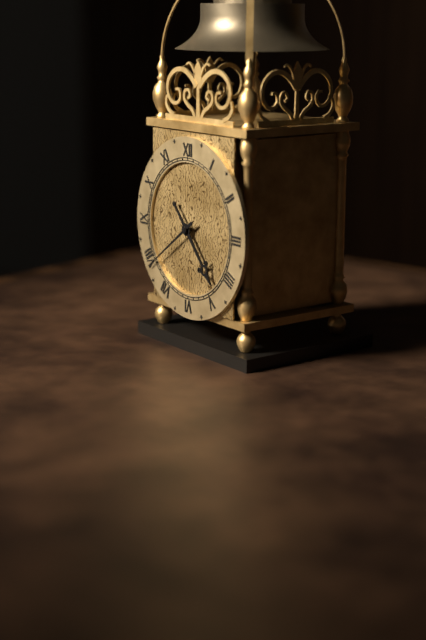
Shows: h=4 m=39
